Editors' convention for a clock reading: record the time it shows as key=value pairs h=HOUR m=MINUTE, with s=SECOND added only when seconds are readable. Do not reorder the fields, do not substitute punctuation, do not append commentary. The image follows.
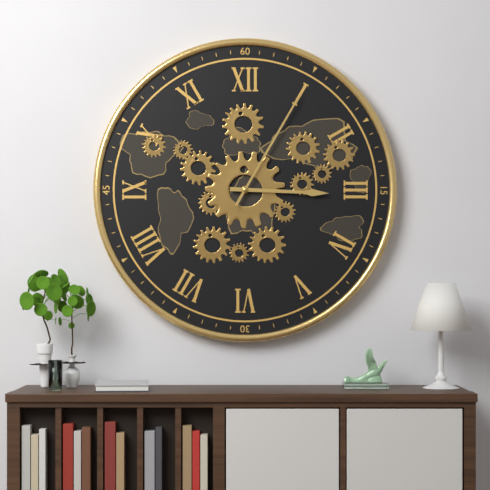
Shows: h=3 m=5
